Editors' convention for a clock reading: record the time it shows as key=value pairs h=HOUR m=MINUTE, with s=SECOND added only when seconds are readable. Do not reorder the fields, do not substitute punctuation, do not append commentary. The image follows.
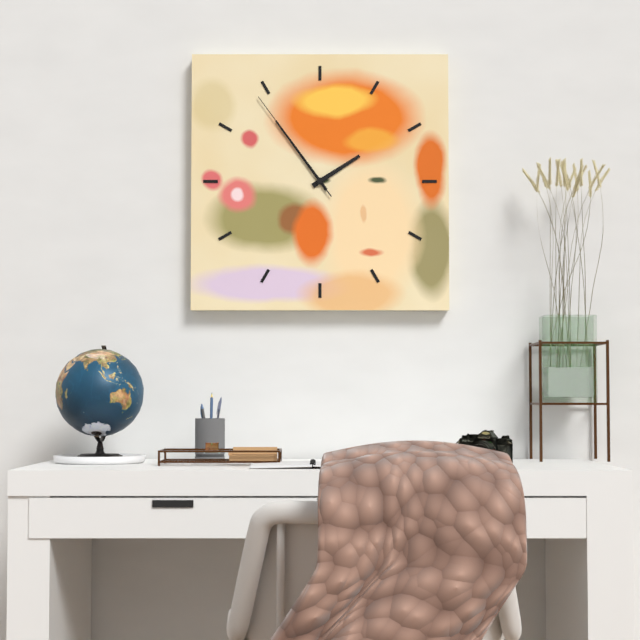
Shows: h=1 m=54 s=54
